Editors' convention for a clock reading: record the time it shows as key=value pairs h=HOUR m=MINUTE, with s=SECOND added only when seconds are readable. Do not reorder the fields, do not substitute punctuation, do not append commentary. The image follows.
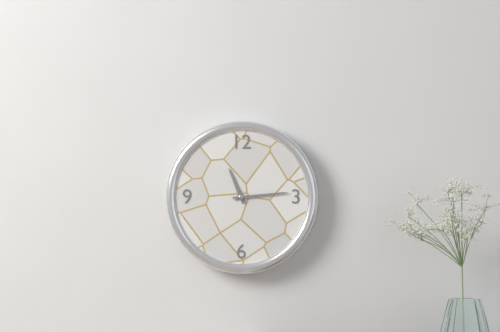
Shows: h=11 m=14
